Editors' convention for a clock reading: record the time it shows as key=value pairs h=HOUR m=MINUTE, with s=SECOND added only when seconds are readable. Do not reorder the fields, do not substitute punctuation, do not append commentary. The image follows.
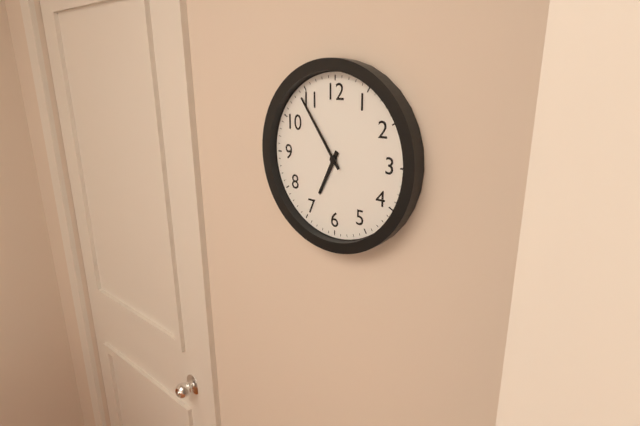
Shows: h=6 m=54
